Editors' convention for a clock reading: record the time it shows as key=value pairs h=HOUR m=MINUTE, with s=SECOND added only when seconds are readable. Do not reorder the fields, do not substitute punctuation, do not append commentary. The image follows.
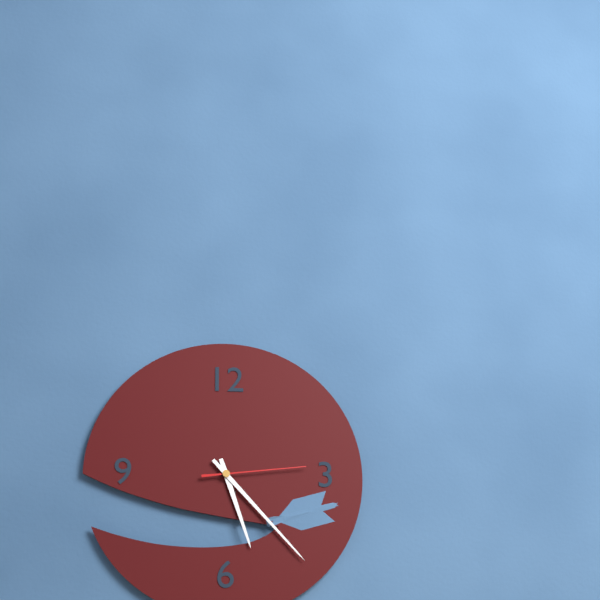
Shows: h=5 m=23 s=14
